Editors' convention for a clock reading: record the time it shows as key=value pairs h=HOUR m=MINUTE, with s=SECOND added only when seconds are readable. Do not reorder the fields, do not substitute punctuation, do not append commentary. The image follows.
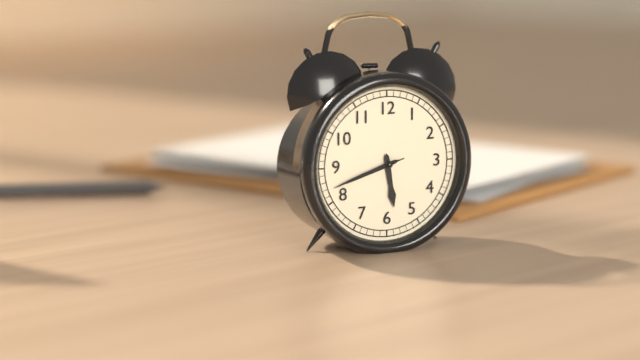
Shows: h=5 m=42 s=42
